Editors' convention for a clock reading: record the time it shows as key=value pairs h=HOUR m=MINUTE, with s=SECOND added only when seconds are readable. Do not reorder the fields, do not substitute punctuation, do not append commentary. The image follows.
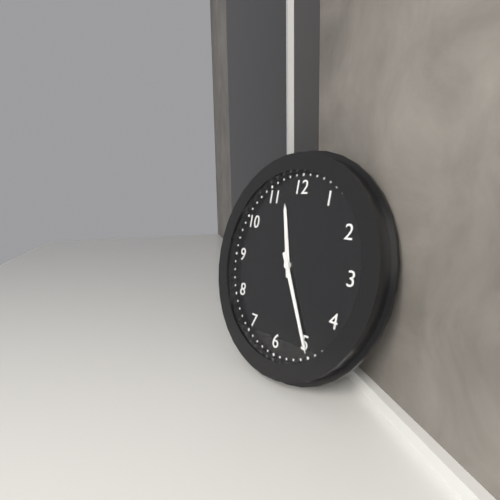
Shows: h=11 m=25
